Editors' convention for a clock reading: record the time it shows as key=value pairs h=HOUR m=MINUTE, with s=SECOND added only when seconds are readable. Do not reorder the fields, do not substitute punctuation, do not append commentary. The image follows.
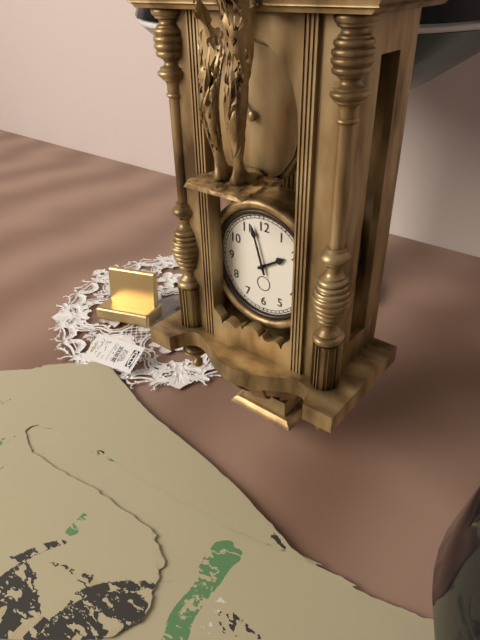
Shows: h=1 m=57
